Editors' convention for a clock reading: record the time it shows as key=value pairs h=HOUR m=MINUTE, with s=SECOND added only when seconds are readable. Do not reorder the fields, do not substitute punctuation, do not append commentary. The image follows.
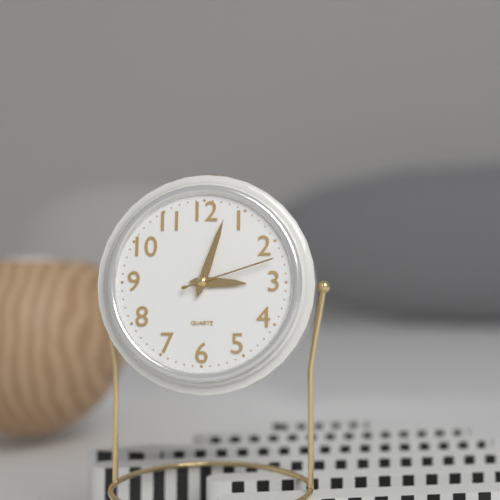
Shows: h=3 m=3 s=12
